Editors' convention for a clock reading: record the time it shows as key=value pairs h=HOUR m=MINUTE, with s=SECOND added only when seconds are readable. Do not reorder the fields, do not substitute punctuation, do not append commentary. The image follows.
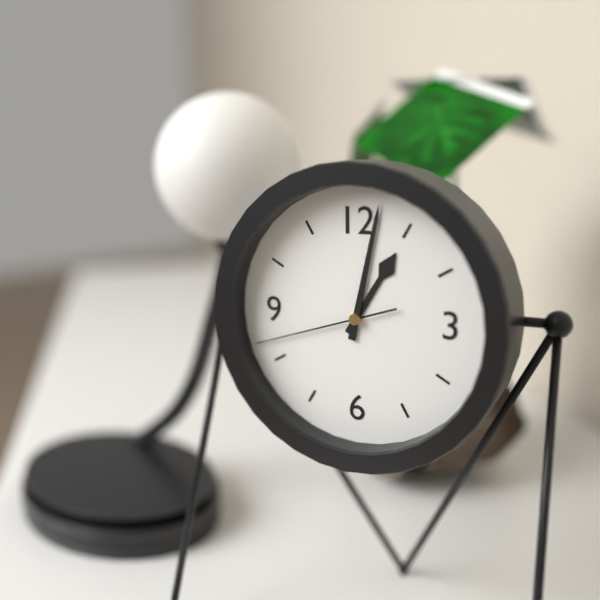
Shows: h=1 m=2 s=42
